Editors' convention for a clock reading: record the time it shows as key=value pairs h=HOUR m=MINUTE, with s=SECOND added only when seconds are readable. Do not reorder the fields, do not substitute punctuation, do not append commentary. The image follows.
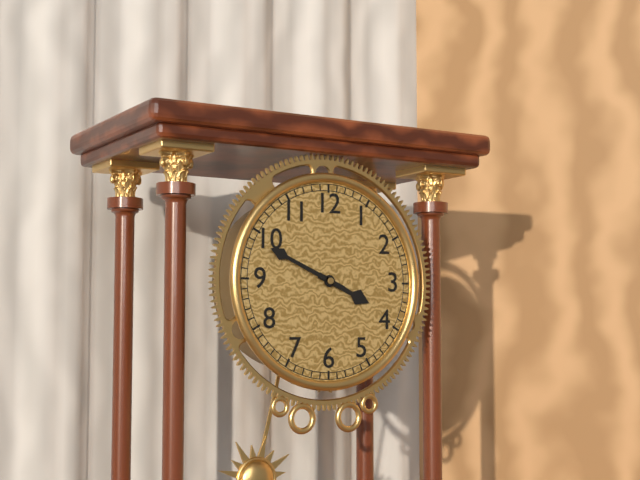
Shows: h=3 m=49
